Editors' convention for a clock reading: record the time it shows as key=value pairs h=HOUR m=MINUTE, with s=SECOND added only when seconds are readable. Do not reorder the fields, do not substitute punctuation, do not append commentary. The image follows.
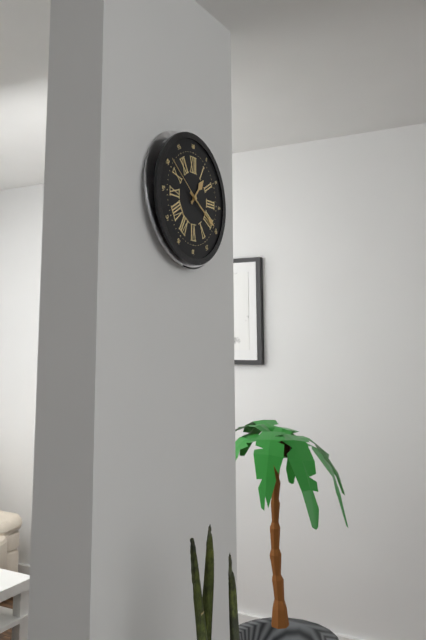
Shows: h=1 m=20 s=51
